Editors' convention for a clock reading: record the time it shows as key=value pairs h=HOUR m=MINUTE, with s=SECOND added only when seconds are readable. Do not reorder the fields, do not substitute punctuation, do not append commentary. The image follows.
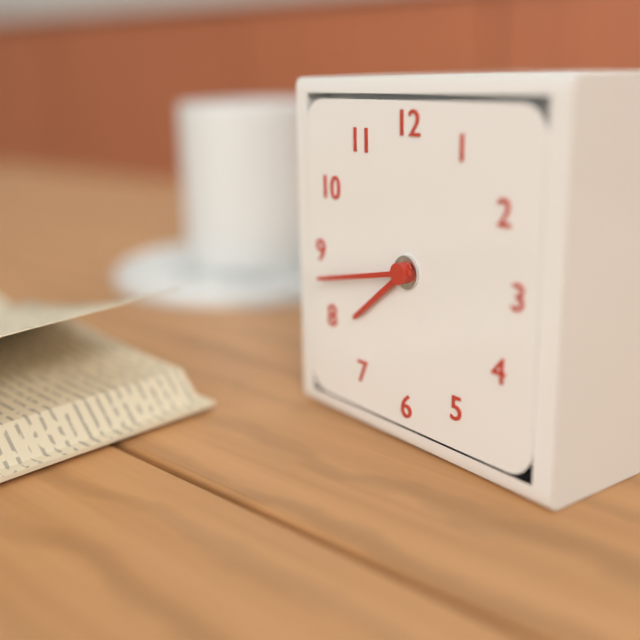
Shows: h=7 m=43
